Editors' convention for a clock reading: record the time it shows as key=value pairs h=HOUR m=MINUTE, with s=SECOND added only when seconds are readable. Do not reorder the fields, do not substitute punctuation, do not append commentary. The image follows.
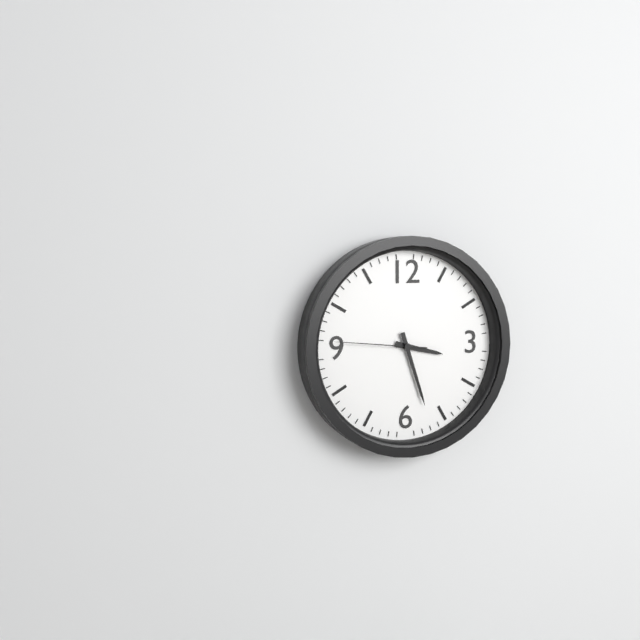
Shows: h=3 m=27 s=46
